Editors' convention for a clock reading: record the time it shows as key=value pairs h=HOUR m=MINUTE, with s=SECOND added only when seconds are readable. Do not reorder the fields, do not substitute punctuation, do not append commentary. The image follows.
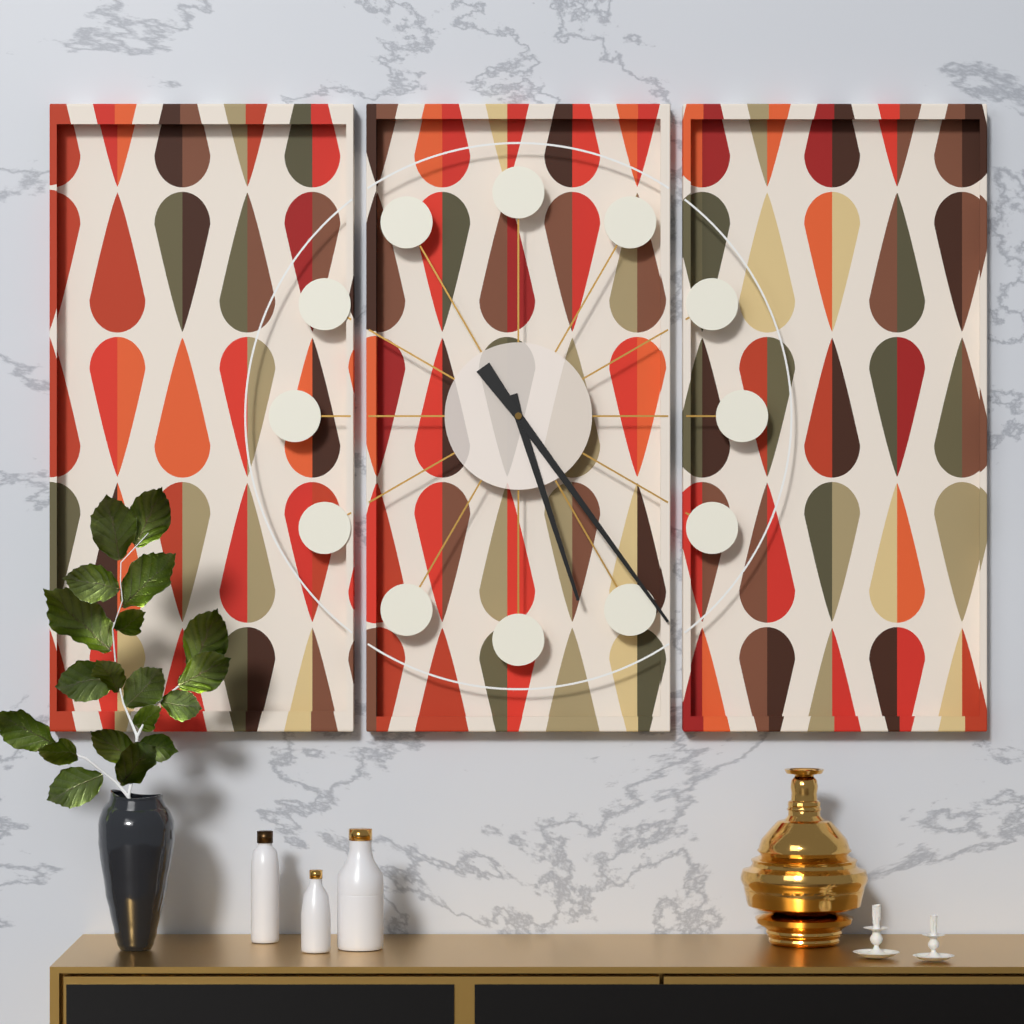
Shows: h=5 m=24
